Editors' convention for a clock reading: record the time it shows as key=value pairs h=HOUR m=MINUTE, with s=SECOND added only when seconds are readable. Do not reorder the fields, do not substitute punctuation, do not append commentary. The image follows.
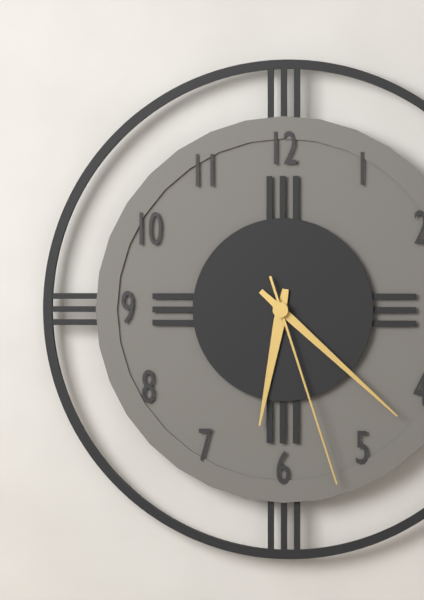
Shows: h=6 m=22 s=27
